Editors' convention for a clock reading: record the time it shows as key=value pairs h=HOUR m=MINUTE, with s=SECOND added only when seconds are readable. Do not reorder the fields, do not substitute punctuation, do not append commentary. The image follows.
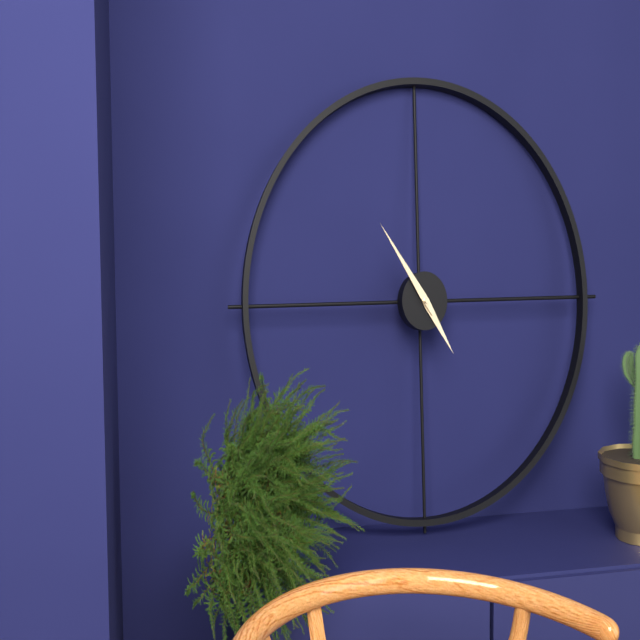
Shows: h=4 m=54
